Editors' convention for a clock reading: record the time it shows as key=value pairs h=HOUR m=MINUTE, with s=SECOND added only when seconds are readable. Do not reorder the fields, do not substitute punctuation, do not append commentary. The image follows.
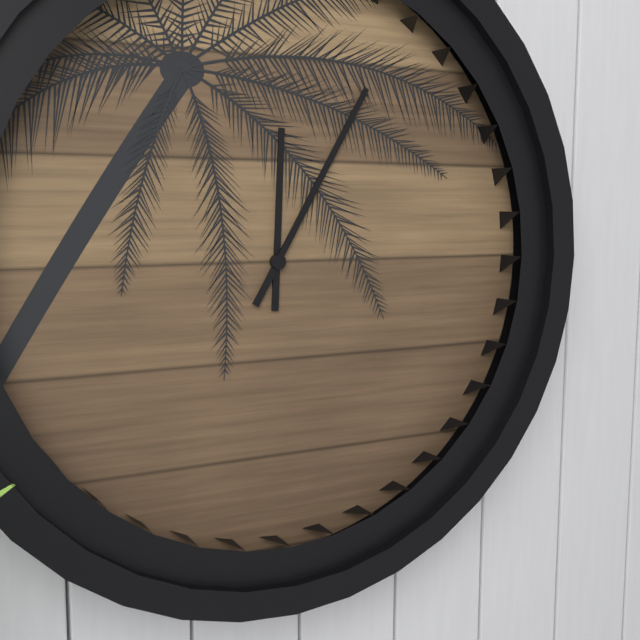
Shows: h=12 m=5
